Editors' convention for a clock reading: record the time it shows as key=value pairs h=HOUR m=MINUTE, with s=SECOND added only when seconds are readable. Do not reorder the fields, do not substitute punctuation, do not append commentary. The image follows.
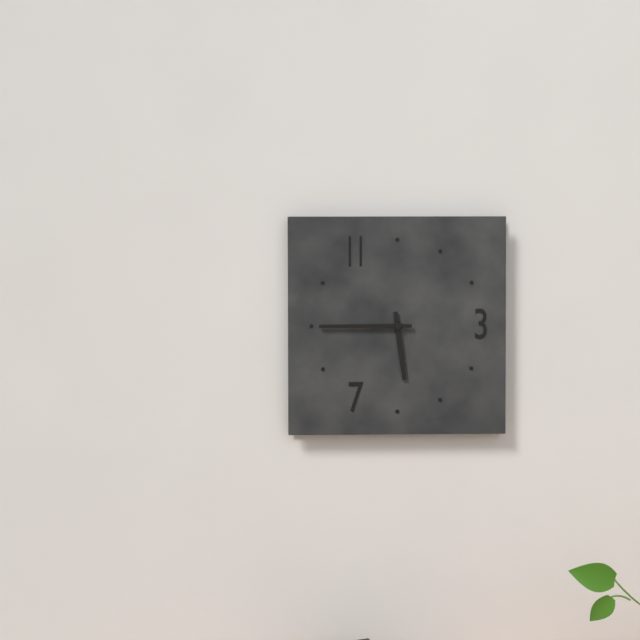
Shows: h=5 m=45
